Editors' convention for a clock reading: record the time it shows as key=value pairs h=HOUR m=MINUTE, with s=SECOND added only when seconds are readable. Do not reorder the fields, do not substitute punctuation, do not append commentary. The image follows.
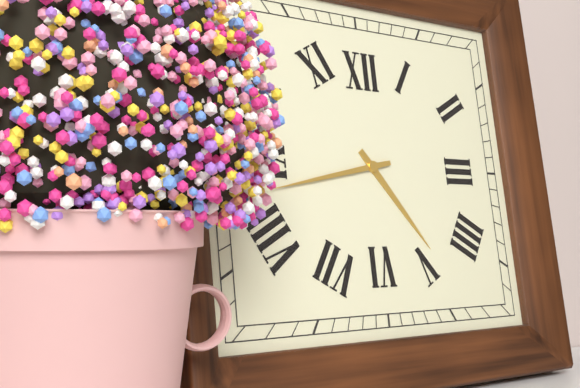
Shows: h=4 m=43
